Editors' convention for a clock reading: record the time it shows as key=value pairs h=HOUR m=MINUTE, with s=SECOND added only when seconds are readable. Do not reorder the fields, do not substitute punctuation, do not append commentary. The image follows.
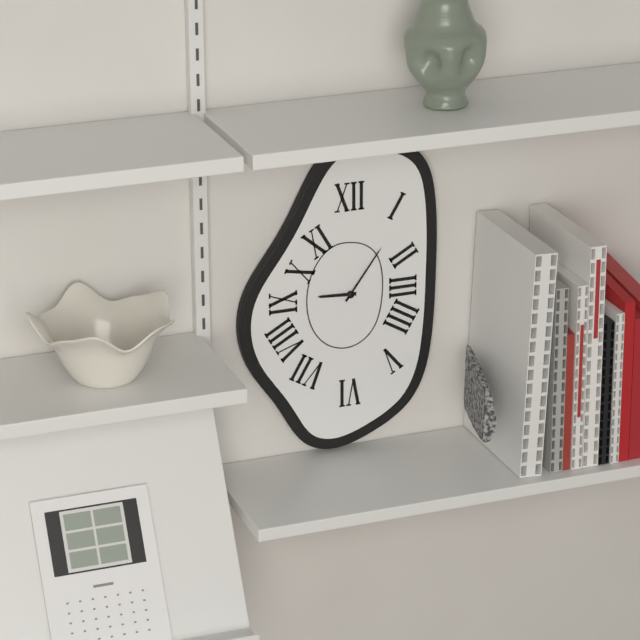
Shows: h=9 m=6
